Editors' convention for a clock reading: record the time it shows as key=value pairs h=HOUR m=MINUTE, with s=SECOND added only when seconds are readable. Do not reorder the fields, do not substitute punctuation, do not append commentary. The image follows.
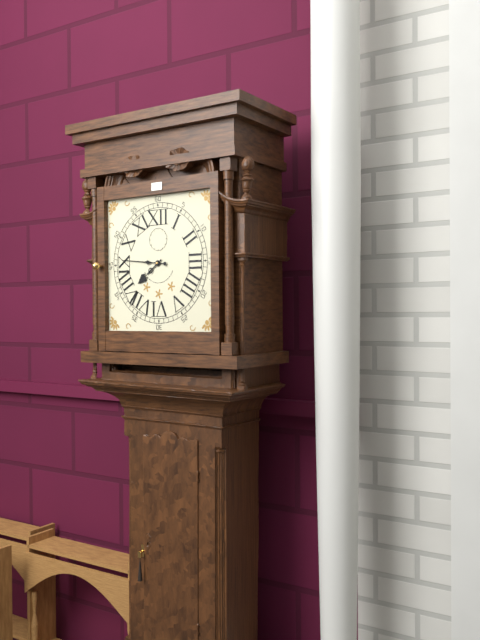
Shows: h=7 m=46
